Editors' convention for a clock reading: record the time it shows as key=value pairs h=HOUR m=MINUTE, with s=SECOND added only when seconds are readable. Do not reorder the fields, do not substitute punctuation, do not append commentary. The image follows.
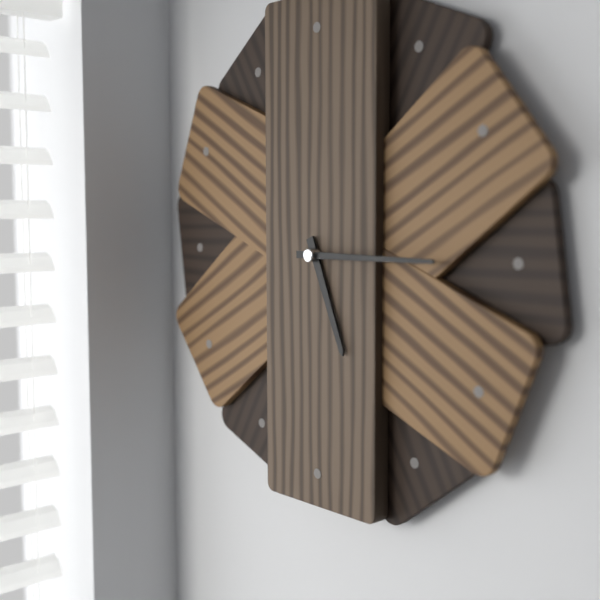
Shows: h=5 m=15
